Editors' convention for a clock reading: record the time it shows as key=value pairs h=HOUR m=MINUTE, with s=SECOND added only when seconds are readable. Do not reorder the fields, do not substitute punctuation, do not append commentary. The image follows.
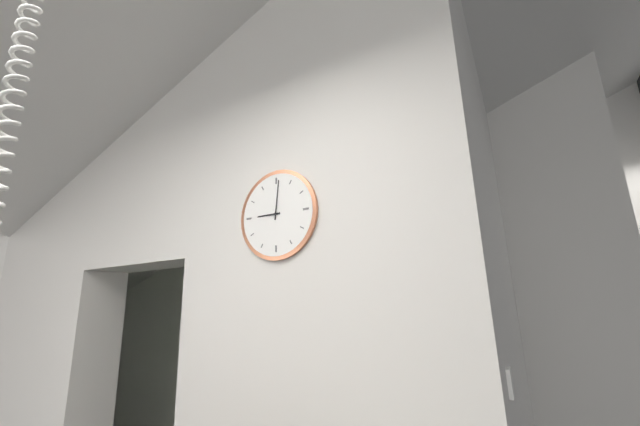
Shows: h=9 m=1
